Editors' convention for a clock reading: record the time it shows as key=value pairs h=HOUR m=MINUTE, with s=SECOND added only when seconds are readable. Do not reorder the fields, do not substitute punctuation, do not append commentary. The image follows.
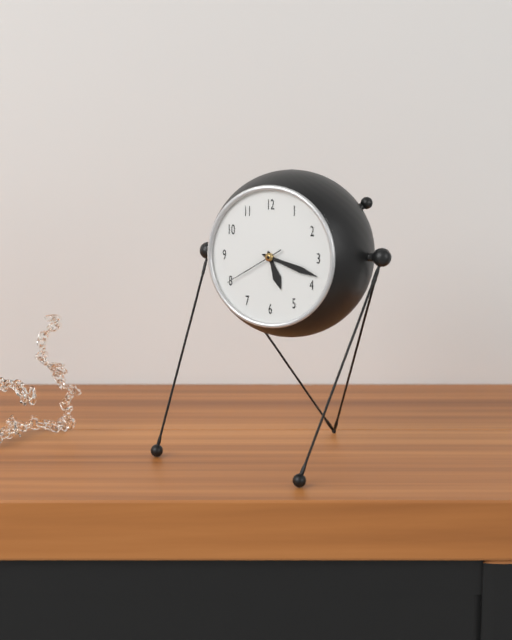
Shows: h=5 m=18 s=40
